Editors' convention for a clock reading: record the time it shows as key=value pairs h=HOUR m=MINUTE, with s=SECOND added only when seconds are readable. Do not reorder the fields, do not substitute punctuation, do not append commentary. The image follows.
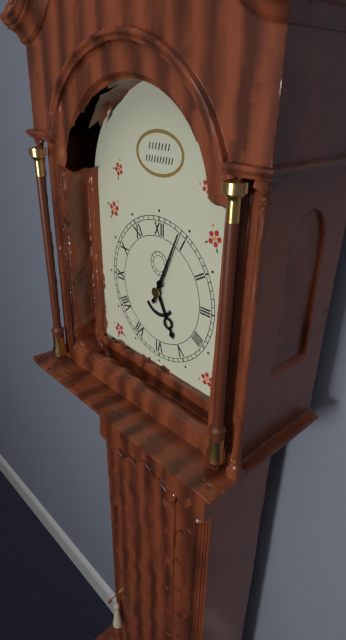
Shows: h=5 m=4
